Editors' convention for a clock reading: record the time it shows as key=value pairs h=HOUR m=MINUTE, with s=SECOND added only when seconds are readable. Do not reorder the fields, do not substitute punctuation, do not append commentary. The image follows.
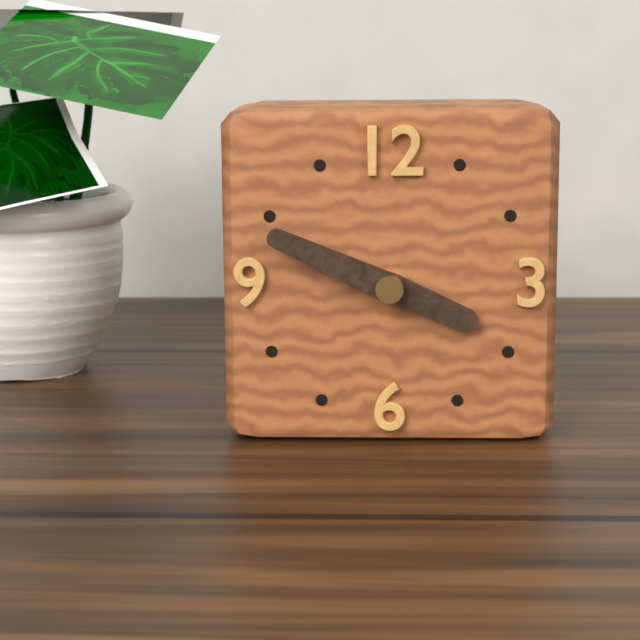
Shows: h=3 m=49
